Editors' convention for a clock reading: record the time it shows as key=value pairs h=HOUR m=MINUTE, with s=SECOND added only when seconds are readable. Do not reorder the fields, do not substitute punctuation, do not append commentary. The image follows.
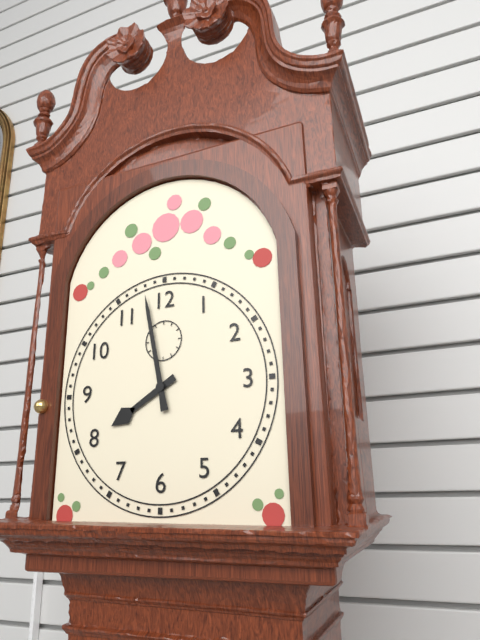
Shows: h=7 m=58
